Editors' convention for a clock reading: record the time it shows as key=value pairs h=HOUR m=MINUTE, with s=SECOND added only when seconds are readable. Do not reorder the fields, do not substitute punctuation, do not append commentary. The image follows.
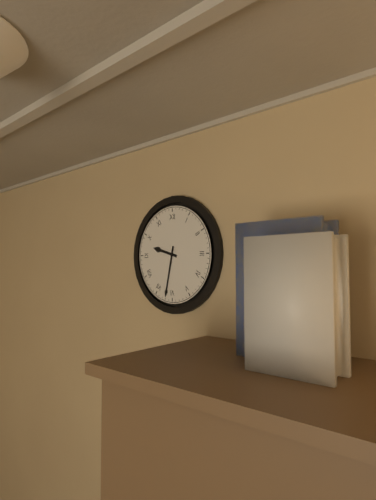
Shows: h=9 m=32
